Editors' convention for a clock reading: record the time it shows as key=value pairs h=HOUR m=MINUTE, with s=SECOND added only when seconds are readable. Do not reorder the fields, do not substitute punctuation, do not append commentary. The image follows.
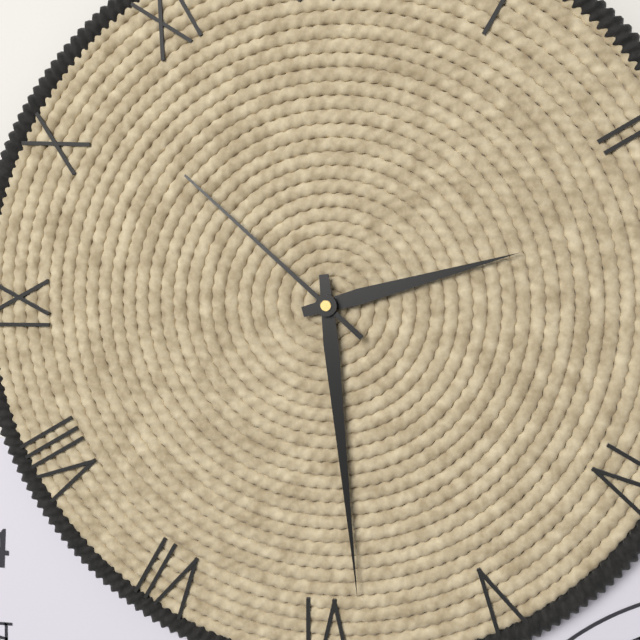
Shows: h=2 m=29 s=52
